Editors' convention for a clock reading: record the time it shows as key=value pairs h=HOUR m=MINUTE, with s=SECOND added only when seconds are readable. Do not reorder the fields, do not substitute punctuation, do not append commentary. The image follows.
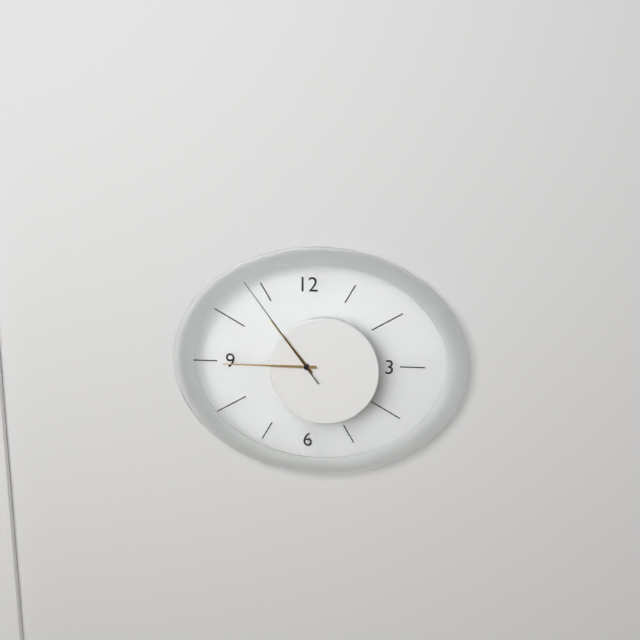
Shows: h=10 m=45 s=54
